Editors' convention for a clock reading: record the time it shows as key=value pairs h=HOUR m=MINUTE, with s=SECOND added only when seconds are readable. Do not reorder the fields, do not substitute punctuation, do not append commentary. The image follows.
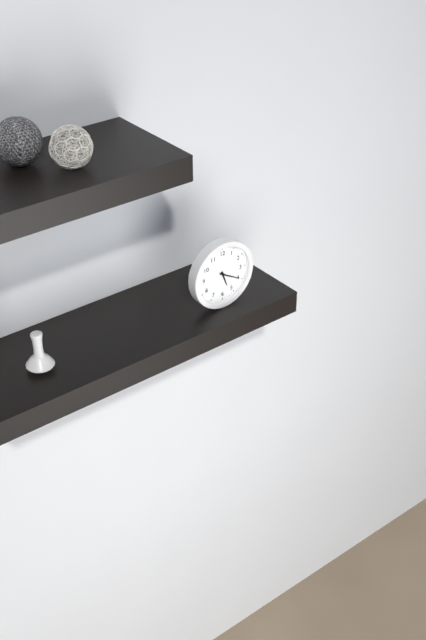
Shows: h=5 m=20
